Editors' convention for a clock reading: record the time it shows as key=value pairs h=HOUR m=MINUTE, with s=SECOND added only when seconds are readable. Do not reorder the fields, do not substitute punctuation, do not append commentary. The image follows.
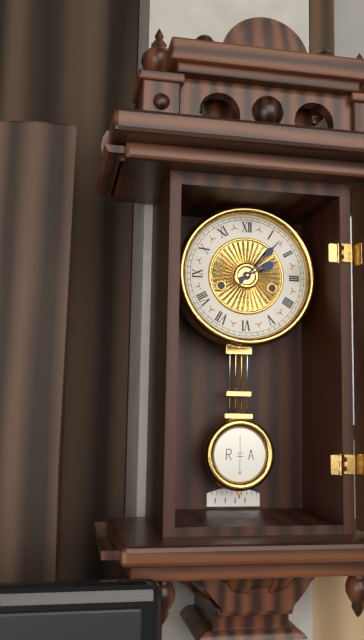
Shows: h=2 m=7
